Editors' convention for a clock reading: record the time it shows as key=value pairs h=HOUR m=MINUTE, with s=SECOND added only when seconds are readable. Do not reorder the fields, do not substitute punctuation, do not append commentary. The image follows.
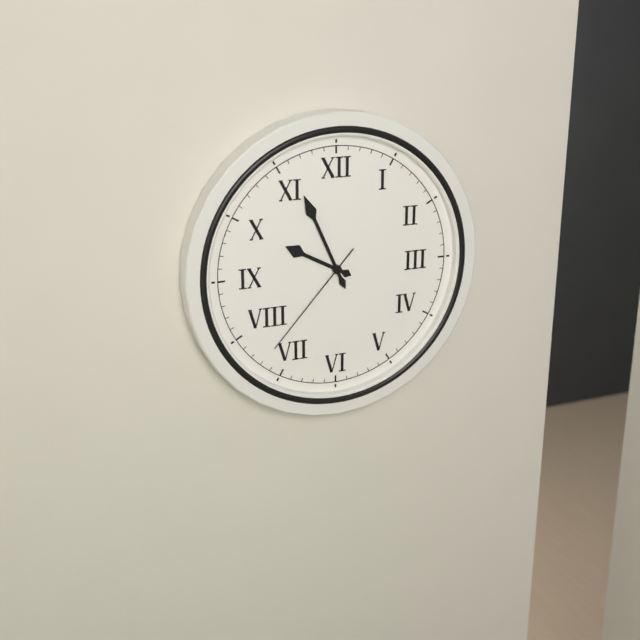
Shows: h=9 m=56 s=37
